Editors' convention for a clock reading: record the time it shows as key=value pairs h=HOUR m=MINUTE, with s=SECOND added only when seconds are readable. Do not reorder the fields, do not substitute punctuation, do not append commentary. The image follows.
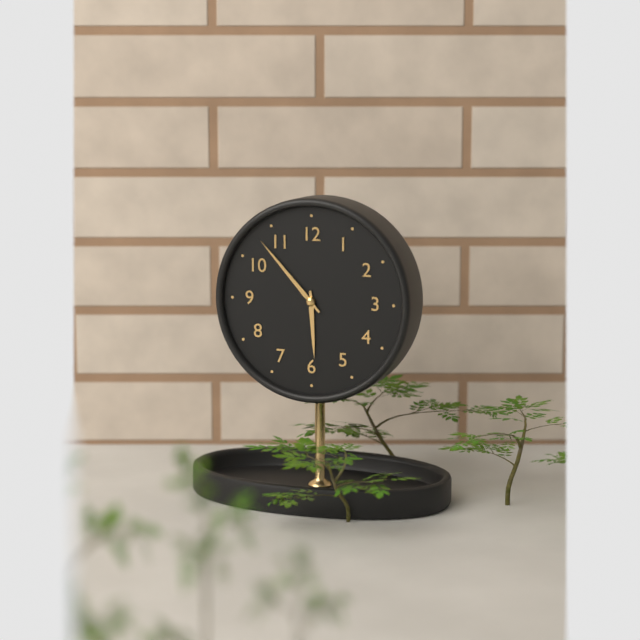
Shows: h=5 m=53
